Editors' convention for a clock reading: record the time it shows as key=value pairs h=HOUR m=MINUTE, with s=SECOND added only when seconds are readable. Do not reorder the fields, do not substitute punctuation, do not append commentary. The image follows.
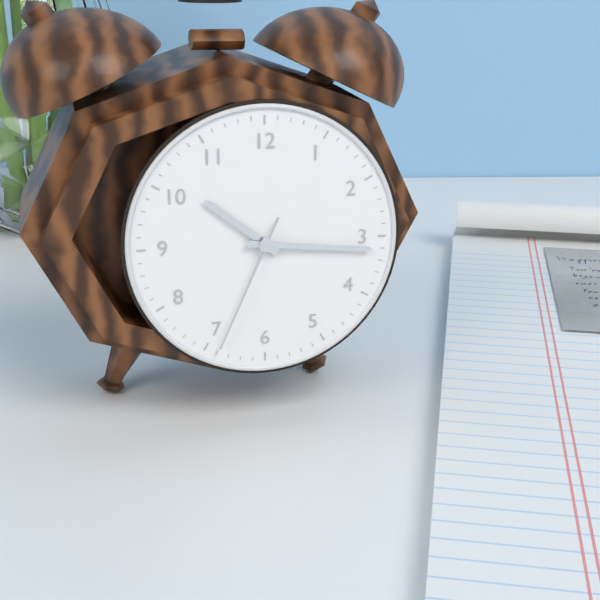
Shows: h=10 m=16 s=34
